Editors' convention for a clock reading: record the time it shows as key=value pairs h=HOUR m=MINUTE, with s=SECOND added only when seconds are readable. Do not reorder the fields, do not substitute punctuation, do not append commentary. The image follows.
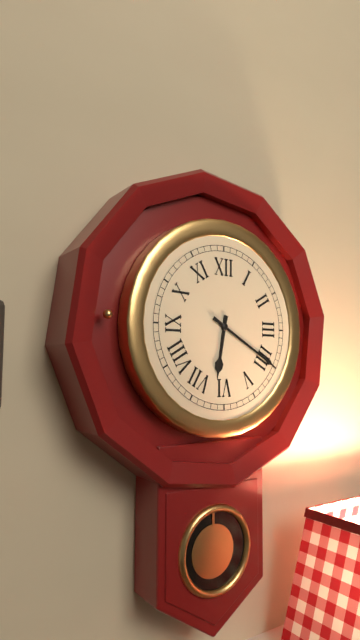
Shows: h=6 m=20
